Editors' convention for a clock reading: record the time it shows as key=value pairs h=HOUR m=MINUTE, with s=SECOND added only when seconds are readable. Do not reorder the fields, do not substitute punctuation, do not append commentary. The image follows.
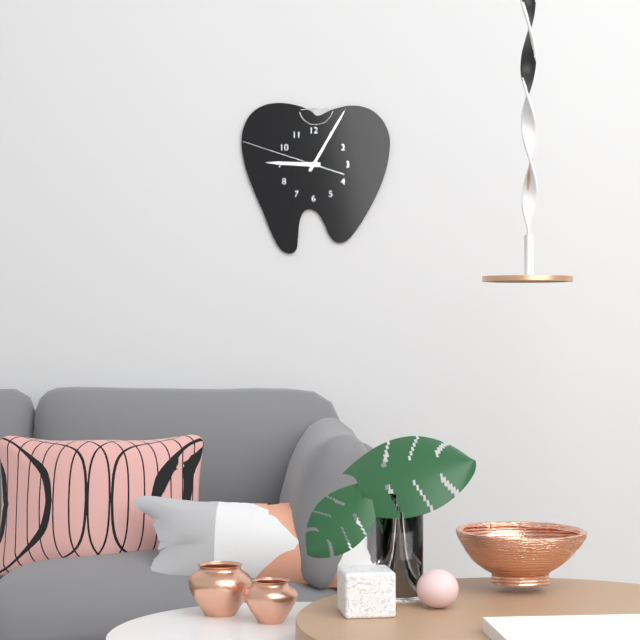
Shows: h=9 m=5 s=48
